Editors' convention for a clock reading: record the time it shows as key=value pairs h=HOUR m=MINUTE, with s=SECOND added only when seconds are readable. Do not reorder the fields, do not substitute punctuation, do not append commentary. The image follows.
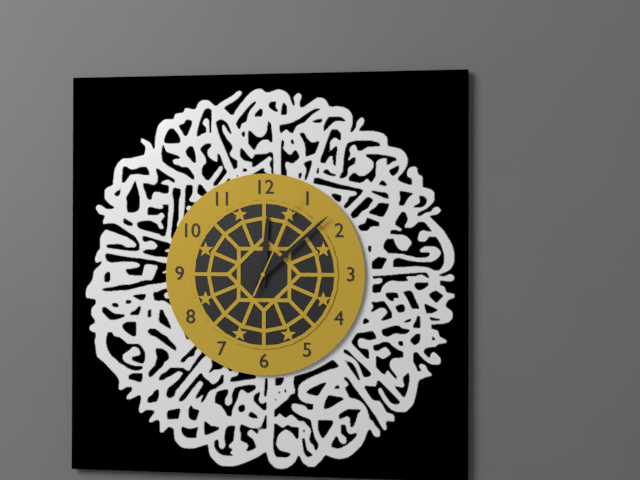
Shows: h=12 m=8 s=4
